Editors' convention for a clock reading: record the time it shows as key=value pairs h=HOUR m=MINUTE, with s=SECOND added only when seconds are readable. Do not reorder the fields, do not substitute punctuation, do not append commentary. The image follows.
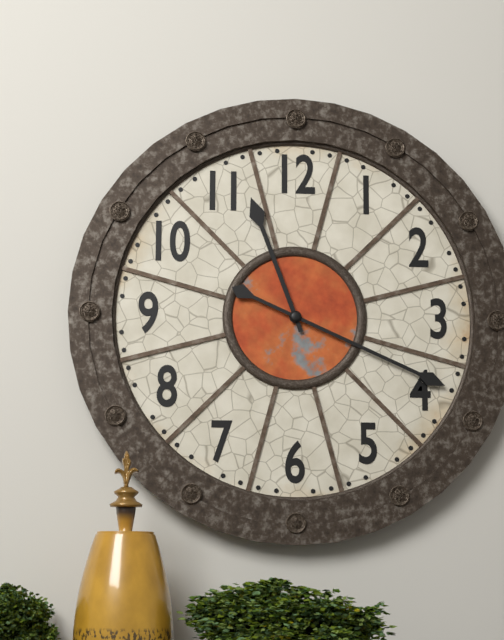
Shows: h=11 m=19
